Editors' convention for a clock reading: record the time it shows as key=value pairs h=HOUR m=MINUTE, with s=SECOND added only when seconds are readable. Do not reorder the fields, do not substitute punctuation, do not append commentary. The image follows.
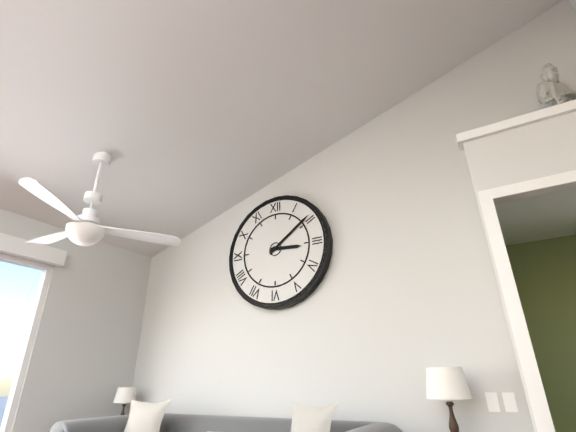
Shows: h=3 m=9
